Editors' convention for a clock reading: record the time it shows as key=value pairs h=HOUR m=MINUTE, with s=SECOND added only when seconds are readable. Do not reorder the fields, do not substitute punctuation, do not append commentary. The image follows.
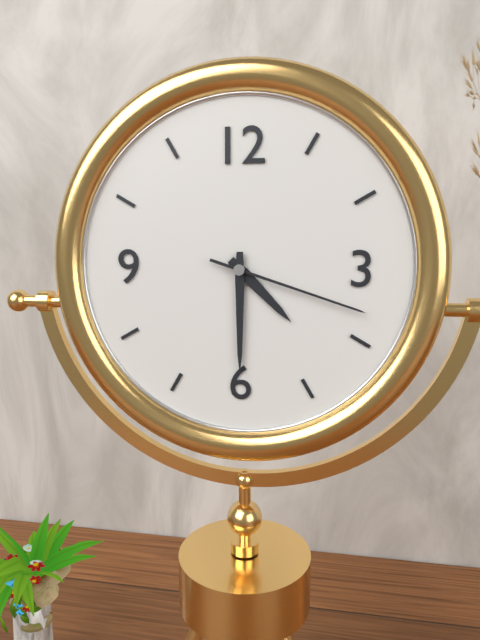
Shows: h=4 m=30 s=18
